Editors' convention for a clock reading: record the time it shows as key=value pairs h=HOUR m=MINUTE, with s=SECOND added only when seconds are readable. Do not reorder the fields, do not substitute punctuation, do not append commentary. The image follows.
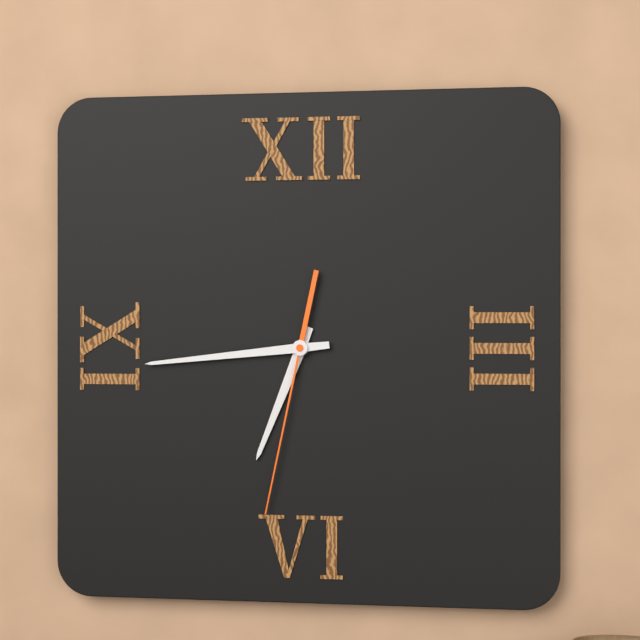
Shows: h=6 m=44 s=32
